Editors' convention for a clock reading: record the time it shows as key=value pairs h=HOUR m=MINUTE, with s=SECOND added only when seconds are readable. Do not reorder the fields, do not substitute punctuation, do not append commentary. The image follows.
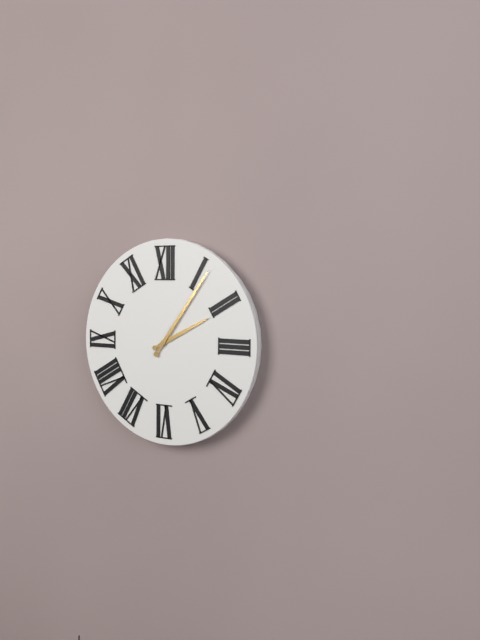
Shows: h=2 m=6
